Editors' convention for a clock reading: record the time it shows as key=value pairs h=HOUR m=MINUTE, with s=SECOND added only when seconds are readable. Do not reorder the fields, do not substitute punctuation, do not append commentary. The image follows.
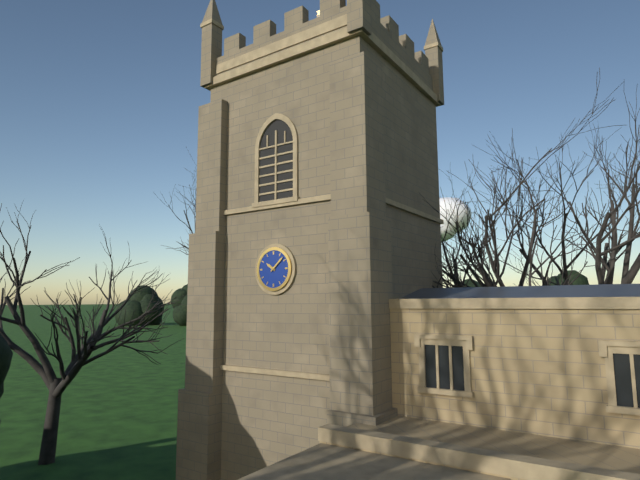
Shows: h=10 m=8
